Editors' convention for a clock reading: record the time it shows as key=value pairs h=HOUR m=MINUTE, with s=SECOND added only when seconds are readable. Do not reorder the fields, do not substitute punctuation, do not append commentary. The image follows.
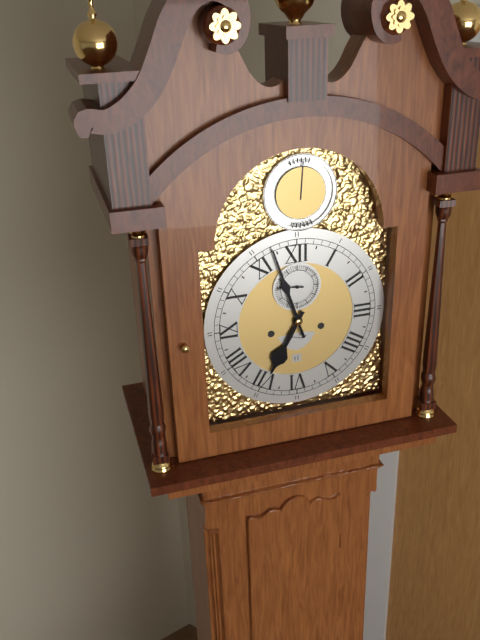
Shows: h=6 m=57
